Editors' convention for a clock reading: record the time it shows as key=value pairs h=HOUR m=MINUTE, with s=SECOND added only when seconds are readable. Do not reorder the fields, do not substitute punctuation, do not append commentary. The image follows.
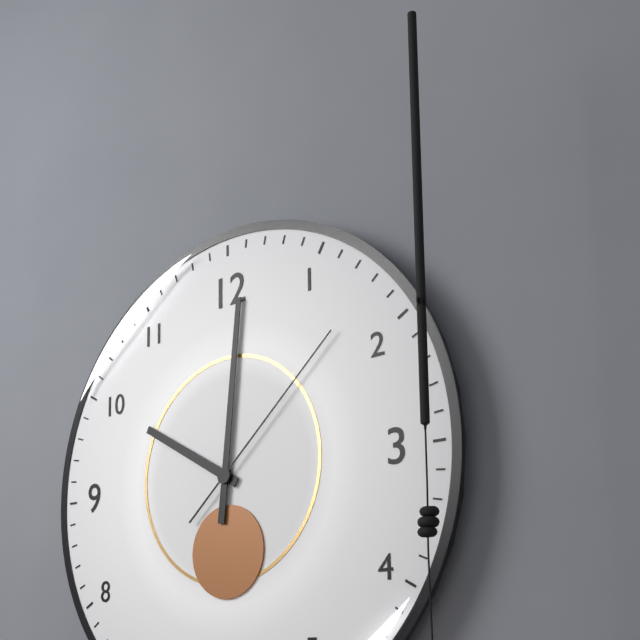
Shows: h=10 m=1 s=8
